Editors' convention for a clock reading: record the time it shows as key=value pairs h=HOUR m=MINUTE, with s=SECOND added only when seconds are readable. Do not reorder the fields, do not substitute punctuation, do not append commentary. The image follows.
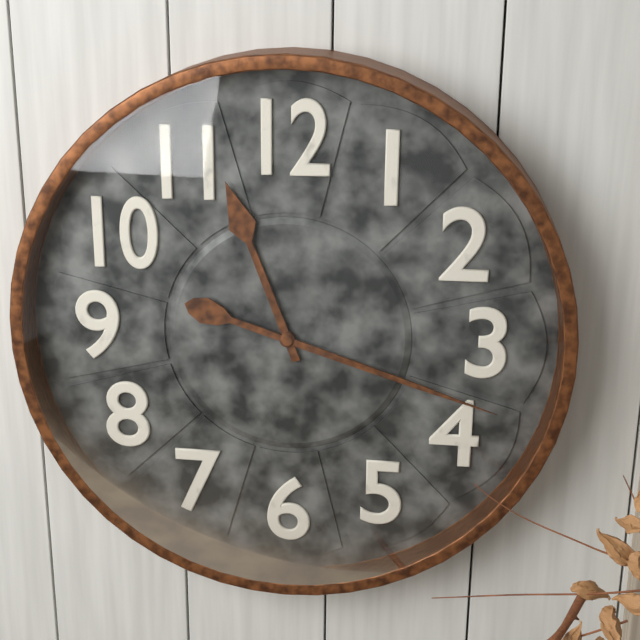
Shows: h=11 m=18
